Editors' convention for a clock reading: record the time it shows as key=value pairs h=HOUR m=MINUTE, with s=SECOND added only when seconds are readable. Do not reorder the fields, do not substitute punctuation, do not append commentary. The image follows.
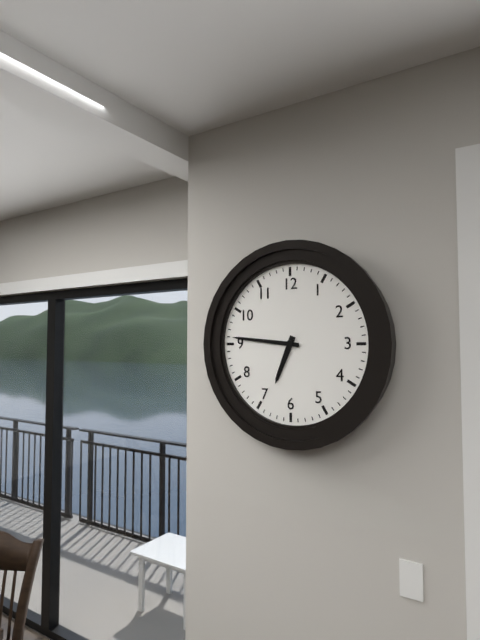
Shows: h=6 m=46
